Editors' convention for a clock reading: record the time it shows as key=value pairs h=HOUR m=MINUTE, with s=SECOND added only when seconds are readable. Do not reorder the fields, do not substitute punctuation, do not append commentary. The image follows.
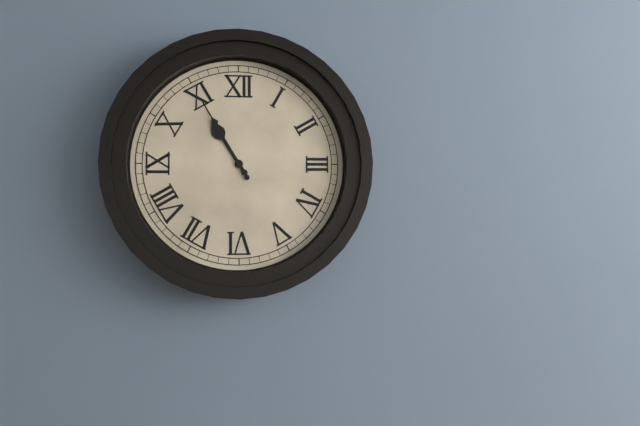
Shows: h=10 m=55
